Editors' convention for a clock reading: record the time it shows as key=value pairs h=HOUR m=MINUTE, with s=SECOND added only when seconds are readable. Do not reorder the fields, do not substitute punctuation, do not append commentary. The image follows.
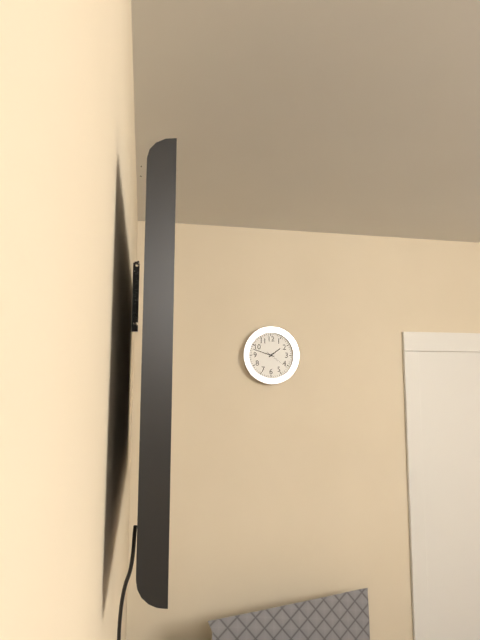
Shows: h=1 m=48
